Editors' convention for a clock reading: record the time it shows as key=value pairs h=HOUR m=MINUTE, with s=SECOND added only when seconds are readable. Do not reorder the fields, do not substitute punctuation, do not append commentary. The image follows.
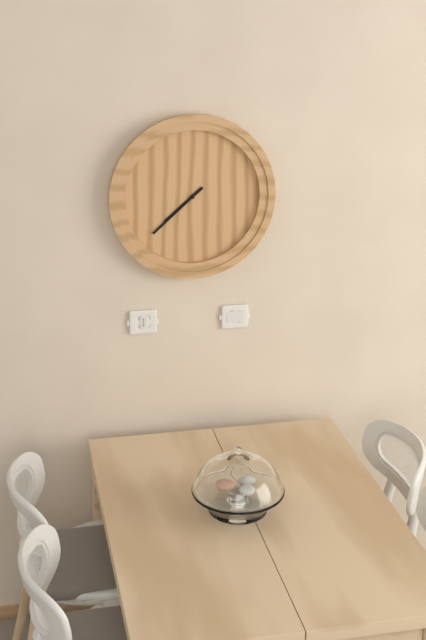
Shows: h=7 m=38
